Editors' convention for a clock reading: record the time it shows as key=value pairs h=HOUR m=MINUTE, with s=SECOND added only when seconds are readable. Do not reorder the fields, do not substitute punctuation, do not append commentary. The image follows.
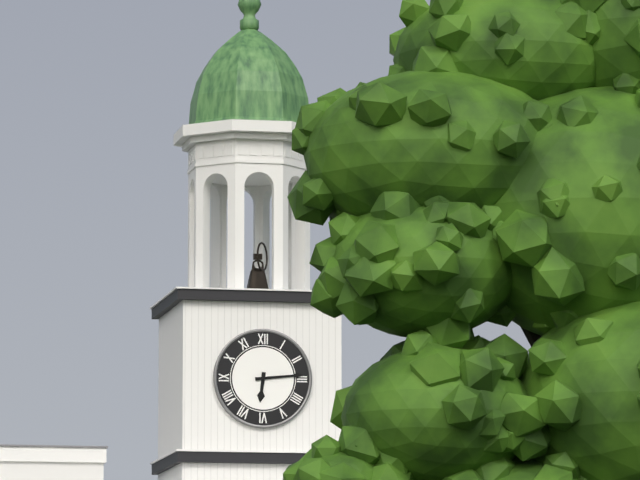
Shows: h=6 m=14
